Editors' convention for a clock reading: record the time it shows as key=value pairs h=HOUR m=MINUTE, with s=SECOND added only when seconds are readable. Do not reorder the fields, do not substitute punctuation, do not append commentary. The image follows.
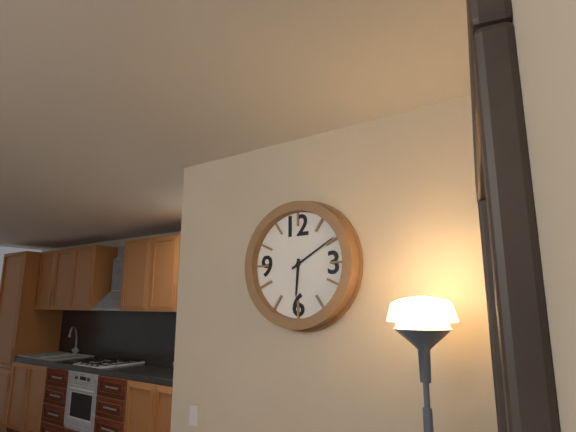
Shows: h=6 m=10
